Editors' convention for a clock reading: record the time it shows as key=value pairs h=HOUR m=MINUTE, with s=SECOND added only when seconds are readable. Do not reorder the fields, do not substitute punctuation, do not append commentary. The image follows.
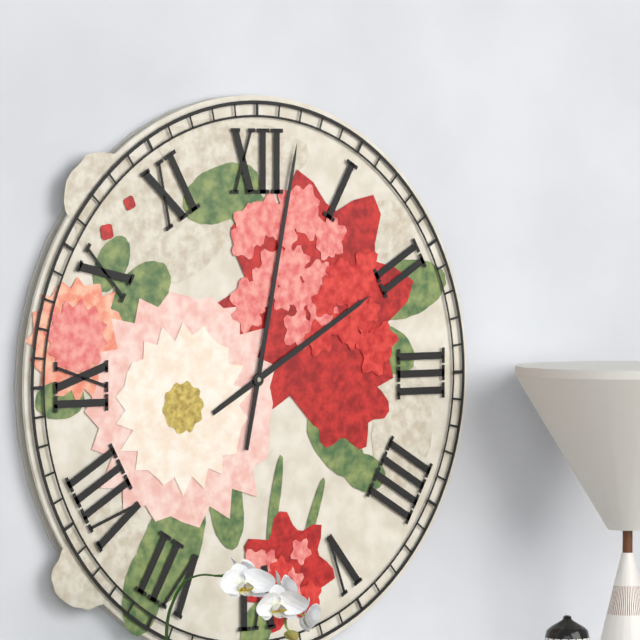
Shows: h=2 m=2
